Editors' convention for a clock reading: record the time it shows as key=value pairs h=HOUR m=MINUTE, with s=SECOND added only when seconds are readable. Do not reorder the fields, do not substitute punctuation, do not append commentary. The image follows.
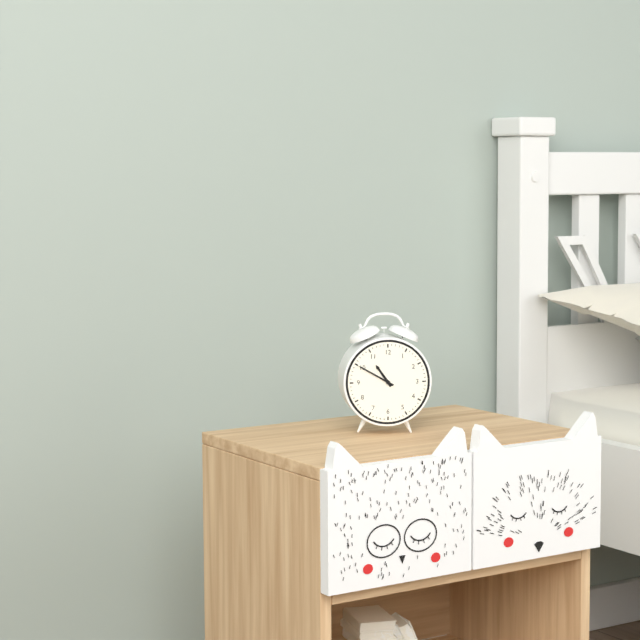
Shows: h=10 m=50
